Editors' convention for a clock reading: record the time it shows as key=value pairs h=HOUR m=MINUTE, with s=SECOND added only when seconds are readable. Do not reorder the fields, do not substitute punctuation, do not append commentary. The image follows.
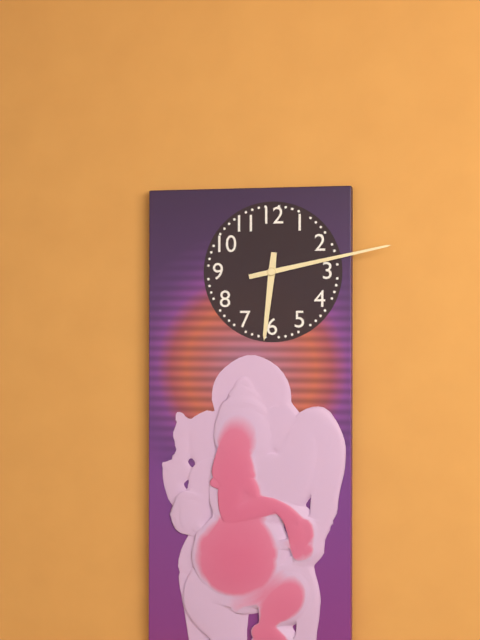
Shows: h=6 m=13
